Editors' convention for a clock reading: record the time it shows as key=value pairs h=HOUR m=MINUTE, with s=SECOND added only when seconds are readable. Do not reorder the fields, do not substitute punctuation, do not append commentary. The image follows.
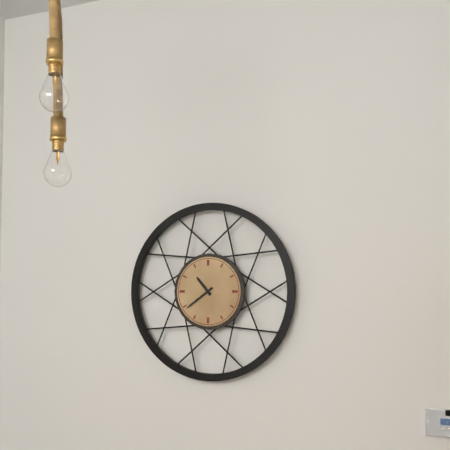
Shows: h=10 m=39
